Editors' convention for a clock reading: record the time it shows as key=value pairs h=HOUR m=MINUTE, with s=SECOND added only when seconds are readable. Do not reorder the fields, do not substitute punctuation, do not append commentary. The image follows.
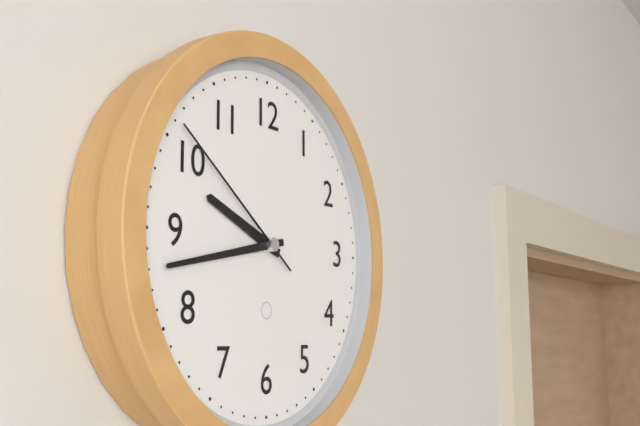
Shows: h=9 m=43 s=51
